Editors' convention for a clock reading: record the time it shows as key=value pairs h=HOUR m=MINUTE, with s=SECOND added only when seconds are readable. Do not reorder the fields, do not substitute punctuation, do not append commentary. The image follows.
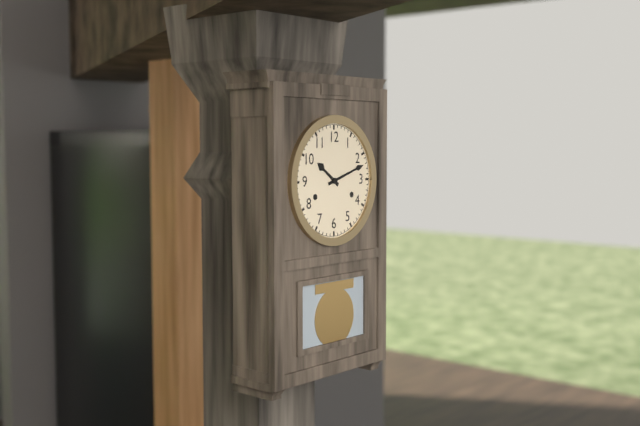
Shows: h=10 m=12
